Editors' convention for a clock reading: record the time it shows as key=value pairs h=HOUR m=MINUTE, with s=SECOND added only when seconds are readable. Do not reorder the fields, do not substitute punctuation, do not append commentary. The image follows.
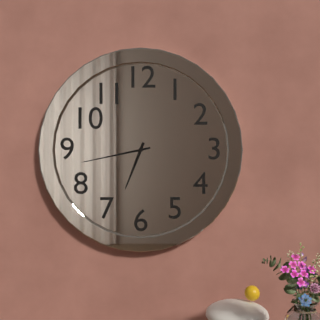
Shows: h=6 m=43
